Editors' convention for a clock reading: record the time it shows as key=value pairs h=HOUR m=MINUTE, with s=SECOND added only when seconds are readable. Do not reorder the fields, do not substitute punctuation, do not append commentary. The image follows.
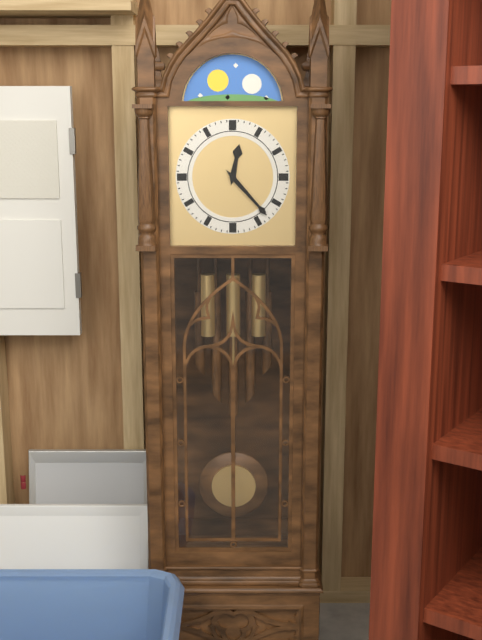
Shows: h=12 m=23
